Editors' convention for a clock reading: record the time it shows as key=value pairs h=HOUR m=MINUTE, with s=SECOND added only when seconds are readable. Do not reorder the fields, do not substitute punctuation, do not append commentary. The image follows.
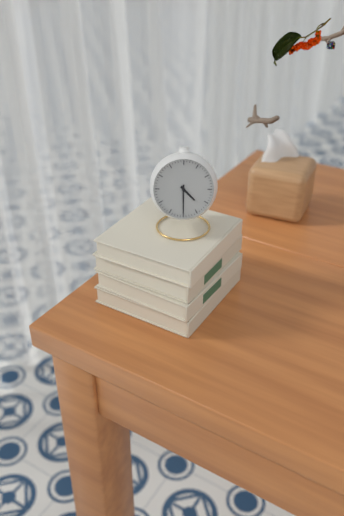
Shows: h=4 m=30
